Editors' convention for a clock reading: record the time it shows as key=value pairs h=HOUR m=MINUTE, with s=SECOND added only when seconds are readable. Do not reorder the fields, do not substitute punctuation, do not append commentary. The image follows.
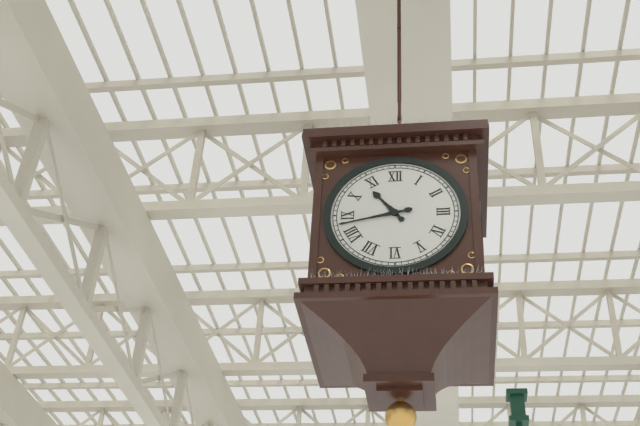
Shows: h=10 m=43
